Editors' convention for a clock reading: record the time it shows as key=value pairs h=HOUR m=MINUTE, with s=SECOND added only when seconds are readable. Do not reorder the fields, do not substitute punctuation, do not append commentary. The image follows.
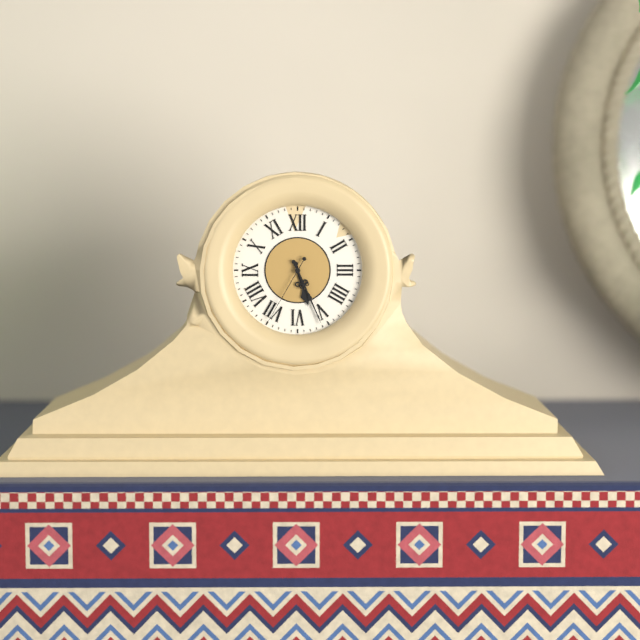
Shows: h=5 m=26 s=35
